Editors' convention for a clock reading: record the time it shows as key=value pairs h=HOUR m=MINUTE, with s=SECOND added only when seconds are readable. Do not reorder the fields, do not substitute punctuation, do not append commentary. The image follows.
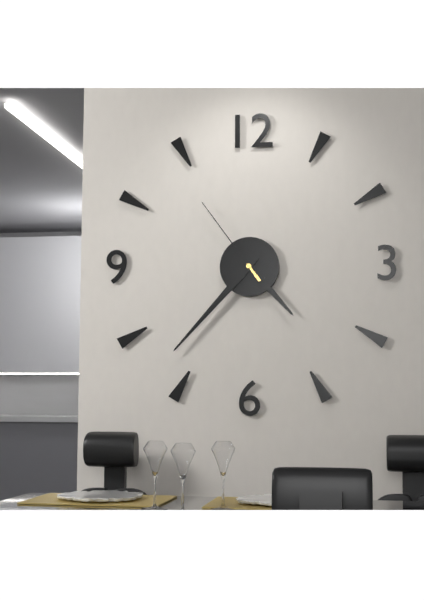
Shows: h=4 m=37 s=54
